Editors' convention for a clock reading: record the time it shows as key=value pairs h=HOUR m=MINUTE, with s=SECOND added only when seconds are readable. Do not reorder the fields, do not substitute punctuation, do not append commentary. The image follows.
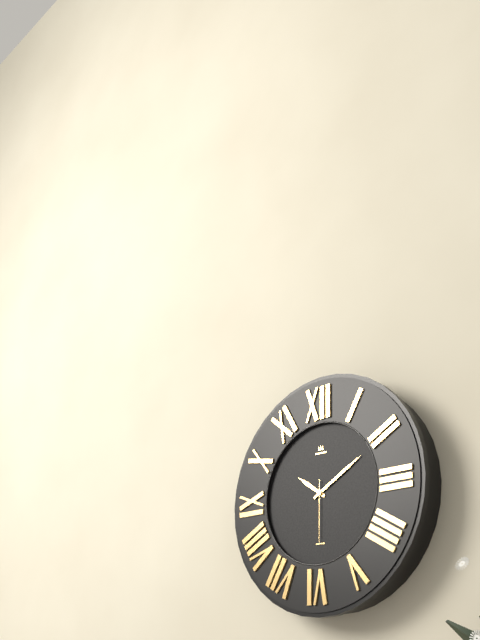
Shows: h=10 m=10 s=30
